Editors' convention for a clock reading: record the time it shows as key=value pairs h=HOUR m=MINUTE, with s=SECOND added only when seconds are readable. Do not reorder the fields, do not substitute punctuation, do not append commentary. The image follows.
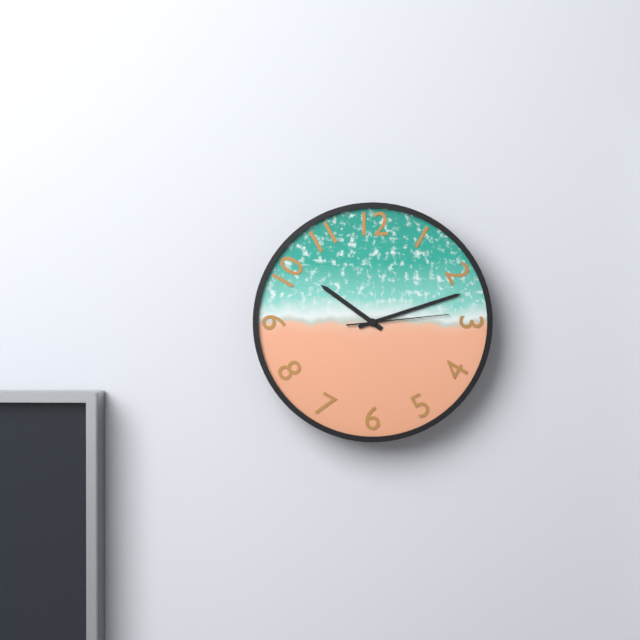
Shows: h=10 m=12 s=14
